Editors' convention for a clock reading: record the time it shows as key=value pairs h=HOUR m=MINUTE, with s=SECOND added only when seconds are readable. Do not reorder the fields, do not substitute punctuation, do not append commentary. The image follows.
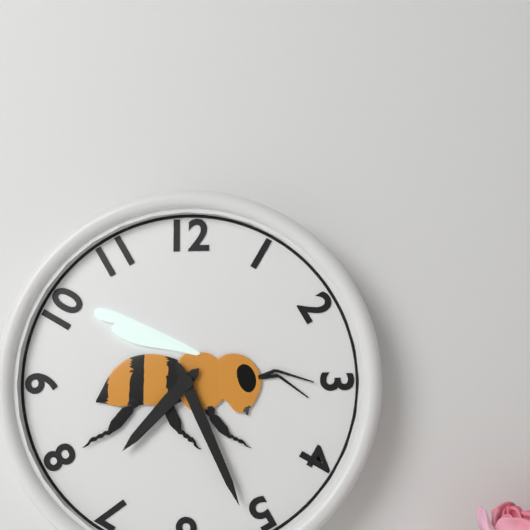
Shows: h=7 m=26
